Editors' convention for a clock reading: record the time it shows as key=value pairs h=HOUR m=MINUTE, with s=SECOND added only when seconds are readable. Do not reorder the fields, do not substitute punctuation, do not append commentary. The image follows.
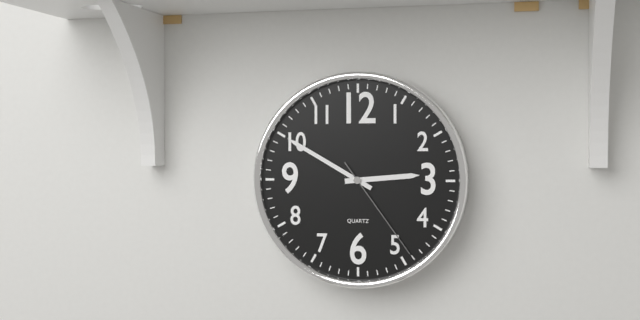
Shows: h=2 m=50 s=24
